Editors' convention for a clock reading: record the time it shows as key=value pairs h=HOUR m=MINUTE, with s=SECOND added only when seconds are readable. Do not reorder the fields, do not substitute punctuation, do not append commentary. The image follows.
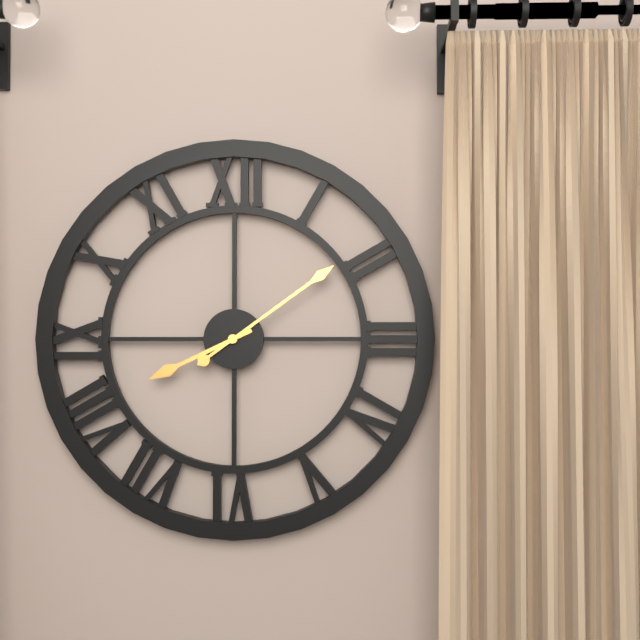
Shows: h=8 m=9
